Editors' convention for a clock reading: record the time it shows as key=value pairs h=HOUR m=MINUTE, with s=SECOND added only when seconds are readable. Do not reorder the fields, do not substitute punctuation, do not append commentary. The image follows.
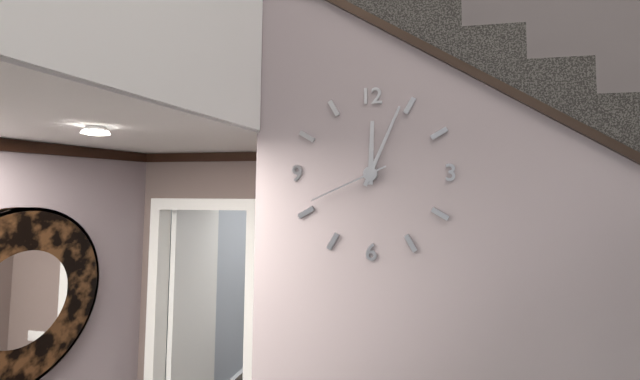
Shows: h=12 m=4 s=41
